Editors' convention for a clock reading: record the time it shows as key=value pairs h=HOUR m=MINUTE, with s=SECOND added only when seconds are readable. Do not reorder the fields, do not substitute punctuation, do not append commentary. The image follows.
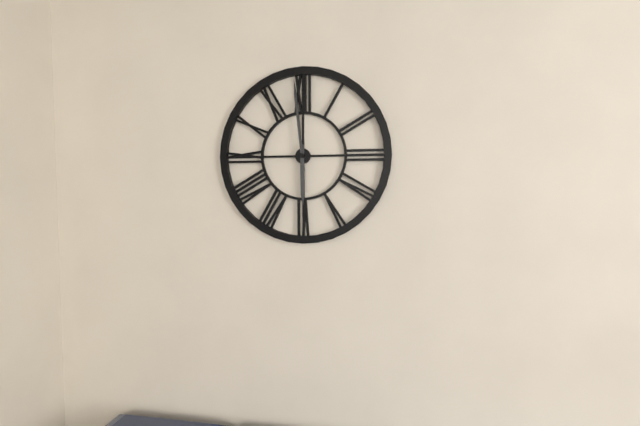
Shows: h=5 m=59
